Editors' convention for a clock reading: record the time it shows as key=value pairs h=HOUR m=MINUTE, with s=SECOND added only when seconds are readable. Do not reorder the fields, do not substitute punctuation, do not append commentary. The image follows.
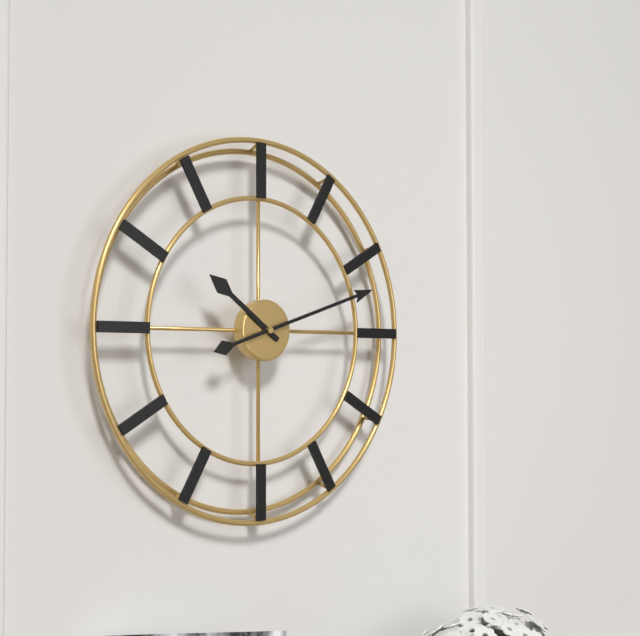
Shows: h=10 m=12
